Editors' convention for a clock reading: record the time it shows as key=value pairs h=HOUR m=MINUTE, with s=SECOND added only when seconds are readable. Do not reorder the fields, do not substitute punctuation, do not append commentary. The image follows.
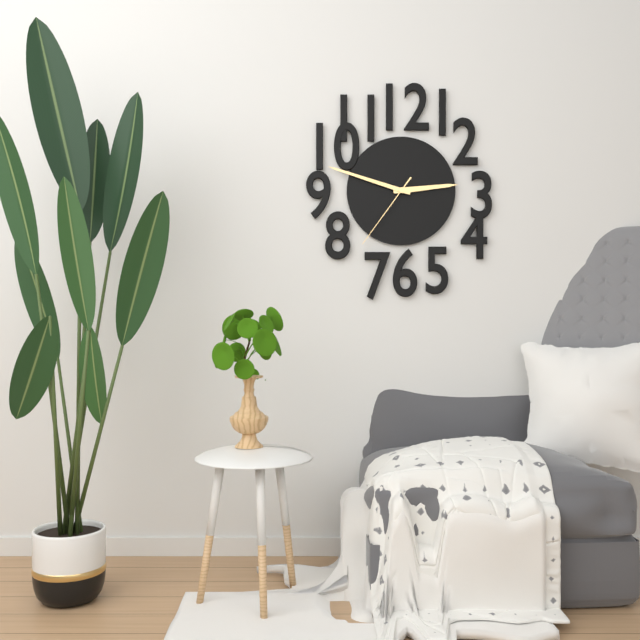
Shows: h=2 m=48 s=36
